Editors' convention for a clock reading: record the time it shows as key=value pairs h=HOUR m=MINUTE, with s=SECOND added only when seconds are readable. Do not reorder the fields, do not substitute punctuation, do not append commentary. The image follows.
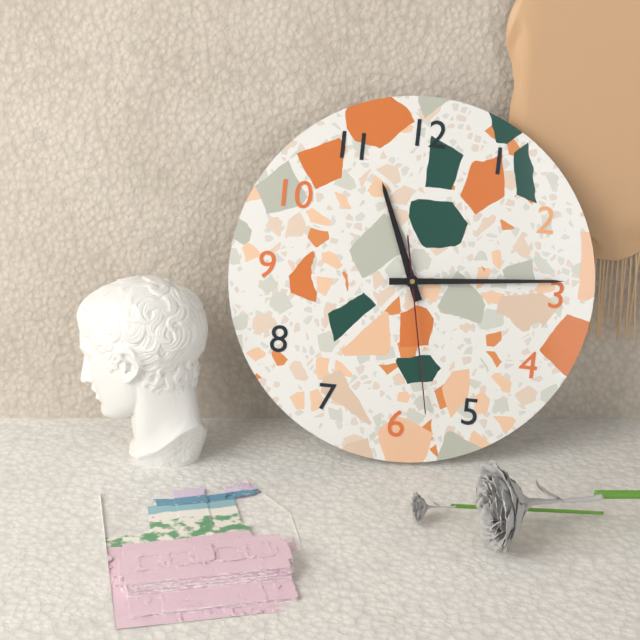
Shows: h=11 m=14 s=28
